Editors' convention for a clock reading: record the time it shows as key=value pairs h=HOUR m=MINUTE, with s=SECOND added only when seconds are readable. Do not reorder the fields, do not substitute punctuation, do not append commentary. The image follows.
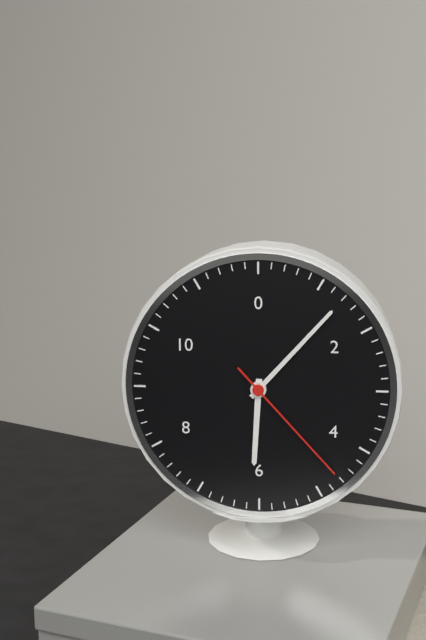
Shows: h=6 m=7 s=23
